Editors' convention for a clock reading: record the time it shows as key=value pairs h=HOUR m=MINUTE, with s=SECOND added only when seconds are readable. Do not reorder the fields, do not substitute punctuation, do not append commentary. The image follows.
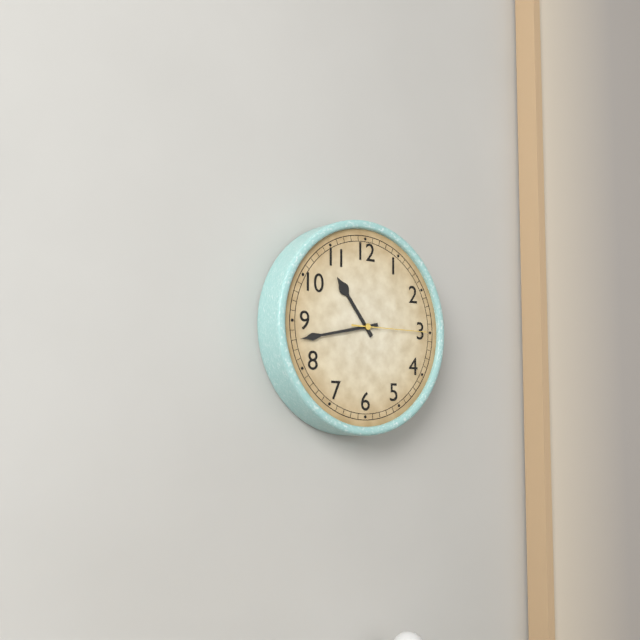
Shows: h=10 m=43 s=15
